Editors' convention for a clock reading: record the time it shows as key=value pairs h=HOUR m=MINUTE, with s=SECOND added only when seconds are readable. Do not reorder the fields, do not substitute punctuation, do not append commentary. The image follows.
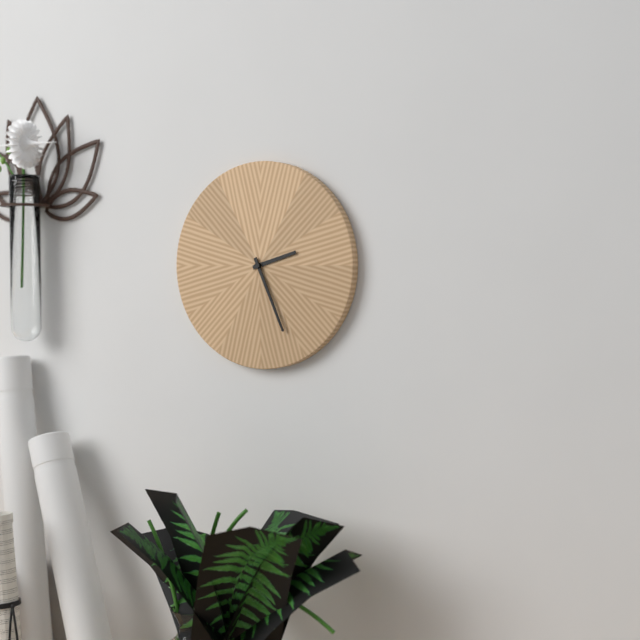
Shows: h=2 m=26
